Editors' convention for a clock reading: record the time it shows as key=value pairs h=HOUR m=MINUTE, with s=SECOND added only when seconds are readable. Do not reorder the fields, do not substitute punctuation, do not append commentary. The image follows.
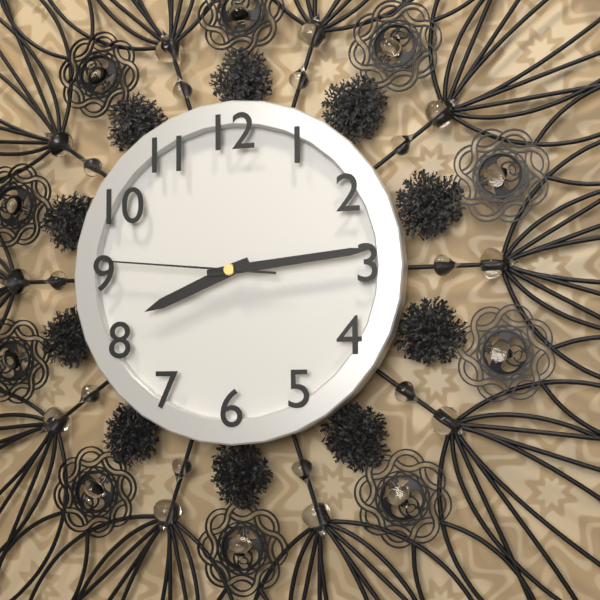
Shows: h=8 m=14 s=46
